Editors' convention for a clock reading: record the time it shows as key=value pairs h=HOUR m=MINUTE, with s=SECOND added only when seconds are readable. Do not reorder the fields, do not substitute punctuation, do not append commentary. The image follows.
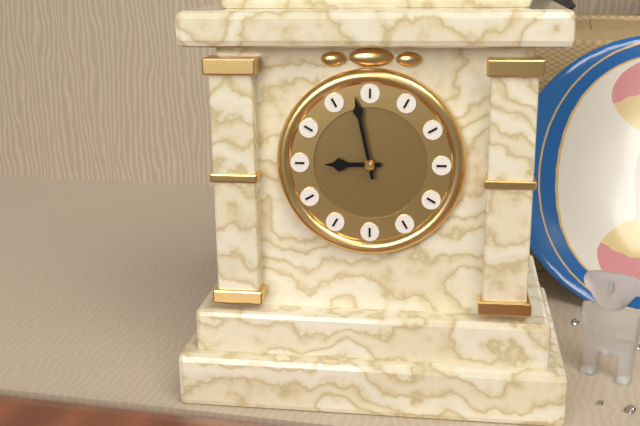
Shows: h=8 m=58
